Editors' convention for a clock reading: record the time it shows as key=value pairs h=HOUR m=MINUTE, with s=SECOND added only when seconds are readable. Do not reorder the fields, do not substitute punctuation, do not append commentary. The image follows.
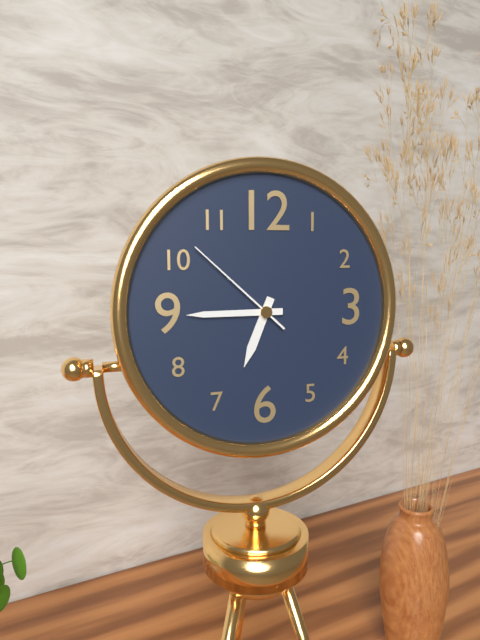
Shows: h=6 m=45 s=52
